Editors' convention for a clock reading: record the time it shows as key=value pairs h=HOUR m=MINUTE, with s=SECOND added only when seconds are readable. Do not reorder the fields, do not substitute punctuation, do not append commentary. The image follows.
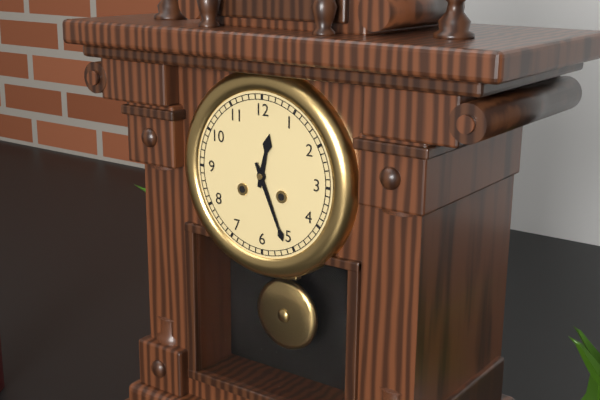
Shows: h=12 m=26
